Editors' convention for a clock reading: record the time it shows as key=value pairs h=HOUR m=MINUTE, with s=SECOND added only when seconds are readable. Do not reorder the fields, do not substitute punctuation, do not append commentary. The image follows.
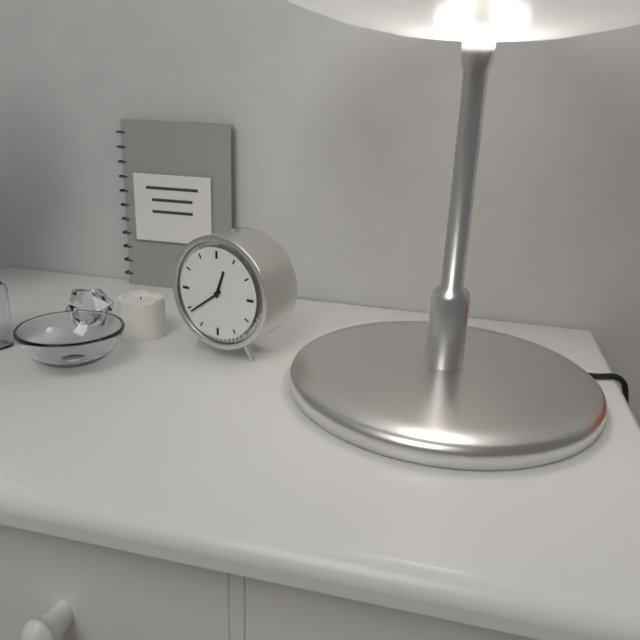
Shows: h=12 m=39
